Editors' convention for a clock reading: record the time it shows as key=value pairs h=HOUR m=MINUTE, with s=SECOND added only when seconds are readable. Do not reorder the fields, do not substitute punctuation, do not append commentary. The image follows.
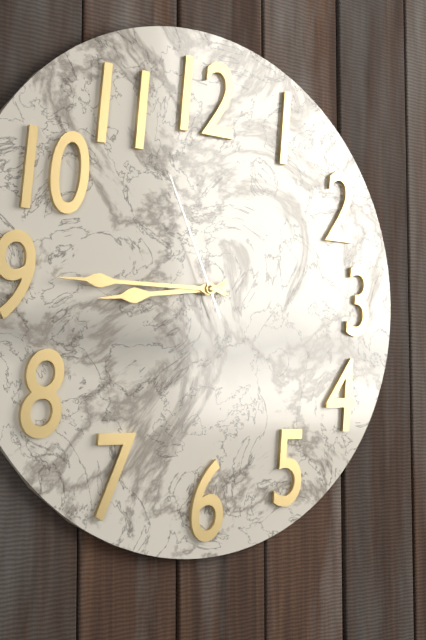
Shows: h=8 m=45 s=56
